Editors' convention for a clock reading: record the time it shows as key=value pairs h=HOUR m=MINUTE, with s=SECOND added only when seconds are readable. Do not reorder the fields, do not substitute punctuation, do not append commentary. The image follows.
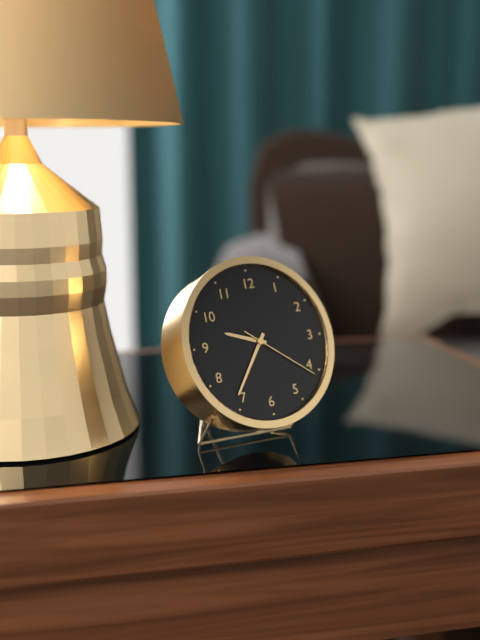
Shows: h=9 m=36 s=21
